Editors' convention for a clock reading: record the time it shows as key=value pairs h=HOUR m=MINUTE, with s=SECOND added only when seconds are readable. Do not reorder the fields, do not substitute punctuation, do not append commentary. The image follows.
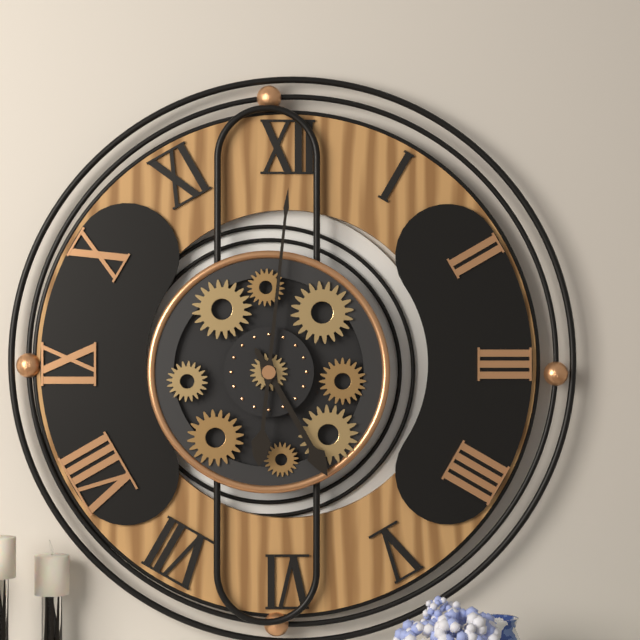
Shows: h=5 m=1
